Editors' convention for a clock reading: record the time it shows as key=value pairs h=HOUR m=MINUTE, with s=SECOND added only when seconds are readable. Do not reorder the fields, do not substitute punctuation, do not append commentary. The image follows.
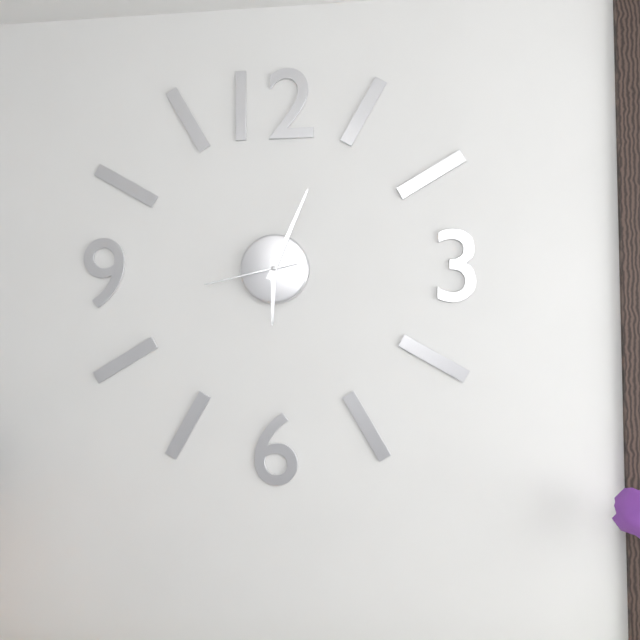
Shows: h=6 m=4 s=43
